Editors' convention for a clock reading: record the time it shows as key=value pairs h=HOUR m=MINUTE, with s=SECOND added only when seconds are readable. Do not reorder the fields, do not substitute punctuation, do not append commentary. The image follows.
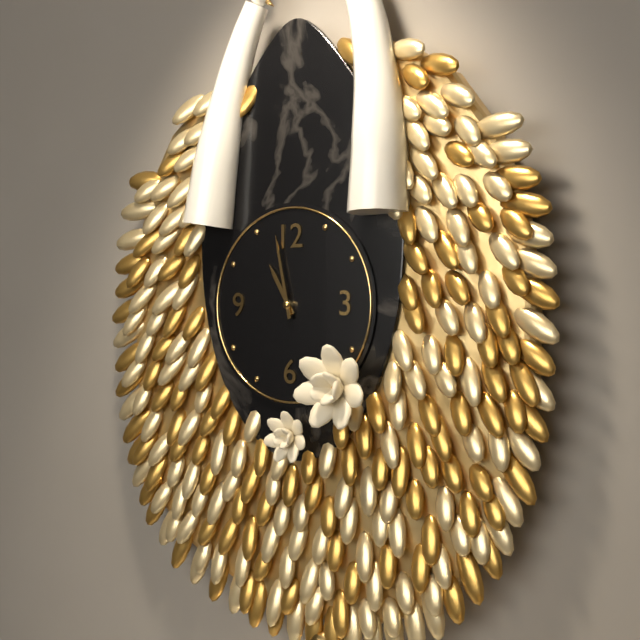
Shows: h=10 m=58
